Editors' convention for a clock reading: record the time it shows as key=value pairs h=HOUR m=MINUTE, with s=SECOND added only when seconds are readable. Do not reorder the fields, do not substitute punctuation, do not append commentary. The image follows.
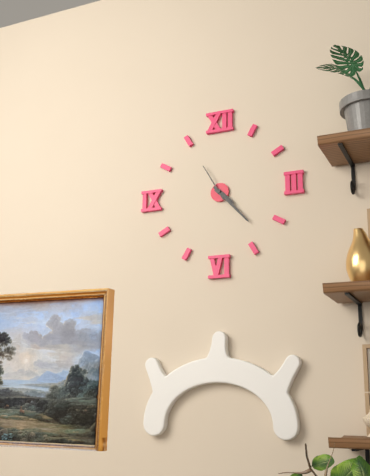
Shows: h=4 m=23
